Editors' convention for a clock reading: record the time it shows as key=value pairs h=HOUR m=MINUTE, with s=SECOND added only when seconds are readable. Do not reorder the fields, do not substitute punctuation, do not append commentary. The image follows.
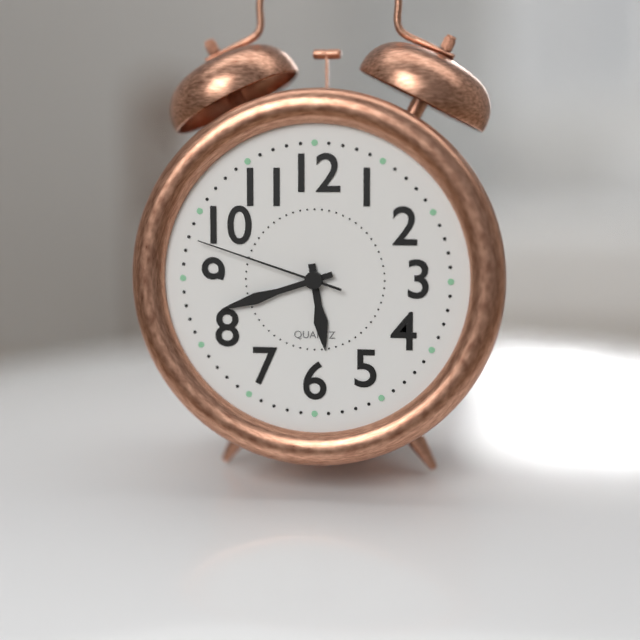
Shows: h=5 m=42 s=48
